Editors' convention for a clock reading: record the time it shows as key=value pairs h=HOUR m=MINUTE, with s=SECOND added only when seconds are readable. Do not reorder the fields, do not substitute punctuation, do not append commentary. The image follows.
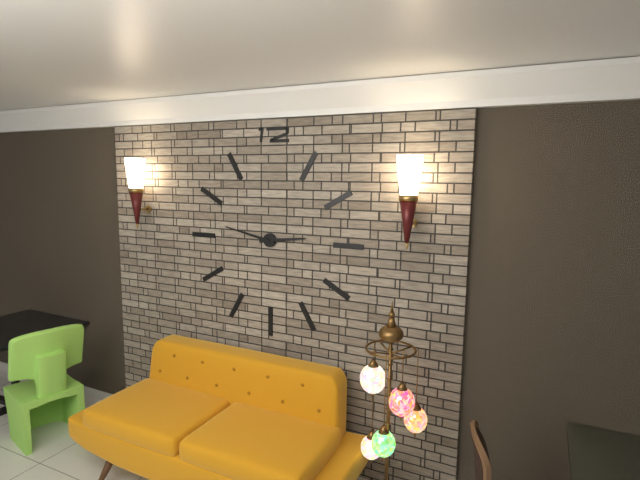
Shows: h=2 m=47
